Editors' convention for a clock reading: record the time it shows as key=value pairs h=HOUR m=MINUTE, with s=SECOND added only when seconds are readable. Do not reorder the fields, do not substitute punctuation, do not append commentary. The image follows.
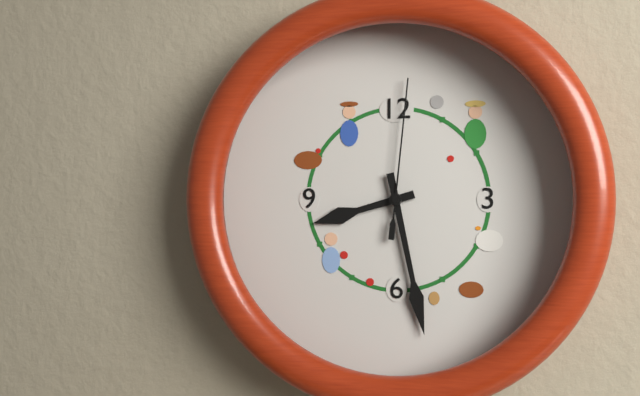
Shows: h=8 m=28 s=1
